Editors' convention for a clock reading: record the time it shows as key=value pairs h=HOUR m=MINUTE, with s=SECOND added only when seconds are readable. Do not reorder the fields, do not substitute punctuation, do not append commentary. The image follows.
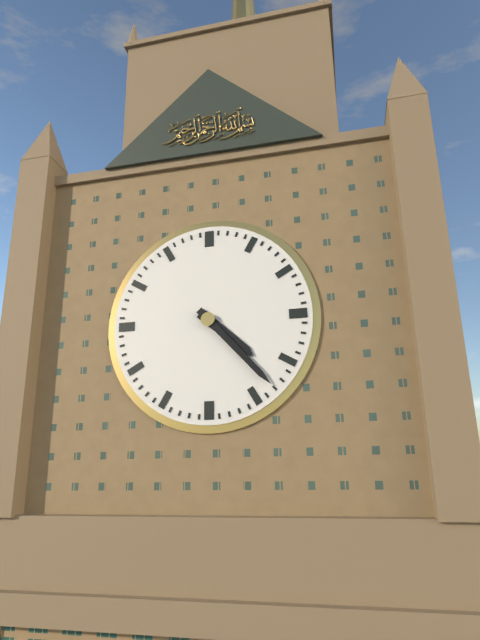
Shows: h=4 m=23
